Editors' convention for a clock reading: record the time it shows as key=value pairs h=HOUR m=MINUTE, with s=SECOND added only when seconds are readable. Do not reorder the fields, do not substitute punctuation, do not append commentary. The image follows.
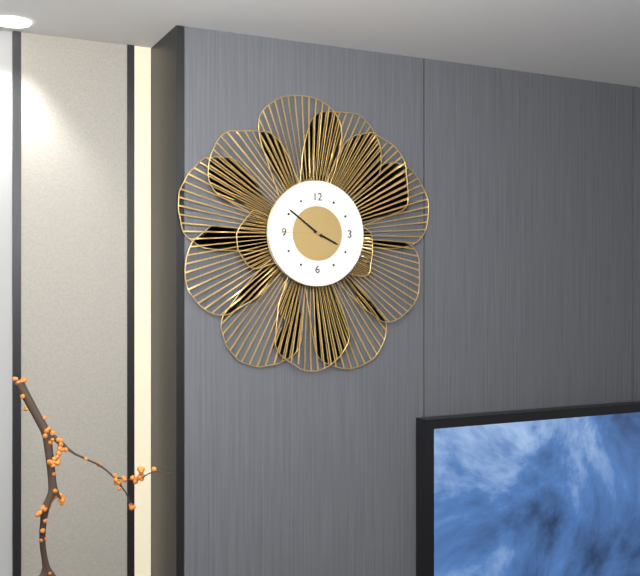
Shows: h=3 m=51
